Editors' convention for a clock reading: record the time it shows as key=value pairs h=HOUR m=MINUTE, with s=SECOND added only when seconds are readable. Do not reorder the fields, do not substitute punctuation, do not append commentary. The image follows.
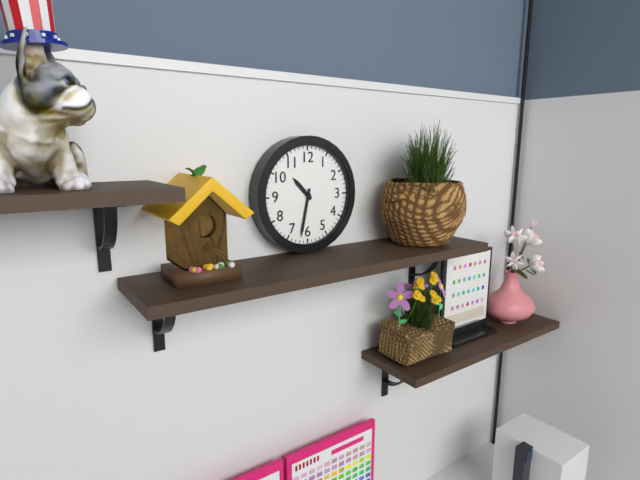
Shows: h=10 m=32
